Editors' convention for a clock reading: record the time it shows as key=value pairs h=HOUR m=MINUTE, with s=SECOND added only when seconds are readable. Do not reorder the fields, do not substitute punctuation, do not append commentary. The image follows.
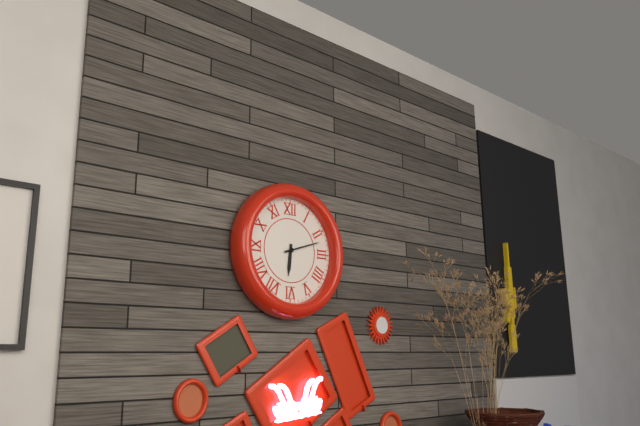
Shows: h=6 m=12
